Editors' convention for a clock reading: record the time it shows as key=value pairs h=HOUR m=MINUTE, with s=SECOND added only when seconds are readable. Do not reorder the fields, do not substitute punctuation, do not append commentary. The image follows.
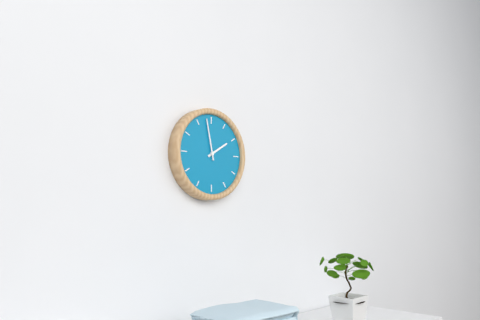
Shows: h=1 m=58
